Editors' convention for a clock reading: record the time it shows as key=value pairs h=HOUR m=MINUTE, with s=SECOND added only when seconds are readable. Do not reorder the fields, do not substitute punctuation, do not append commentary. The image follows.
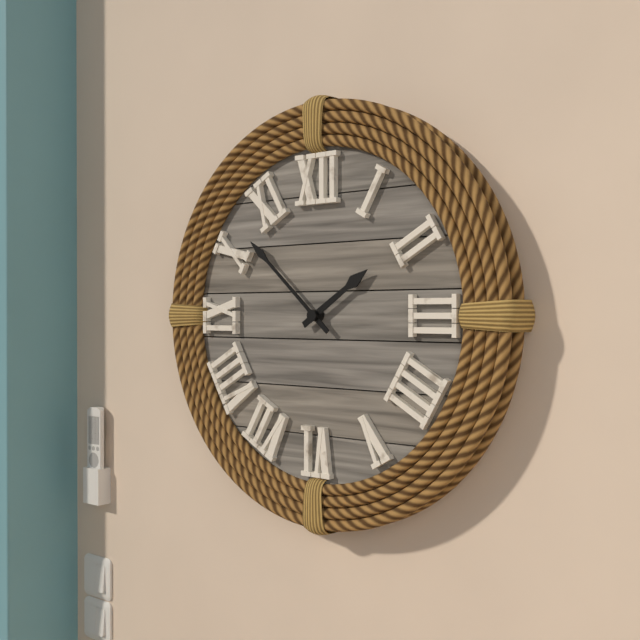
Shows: h=1 m=52
